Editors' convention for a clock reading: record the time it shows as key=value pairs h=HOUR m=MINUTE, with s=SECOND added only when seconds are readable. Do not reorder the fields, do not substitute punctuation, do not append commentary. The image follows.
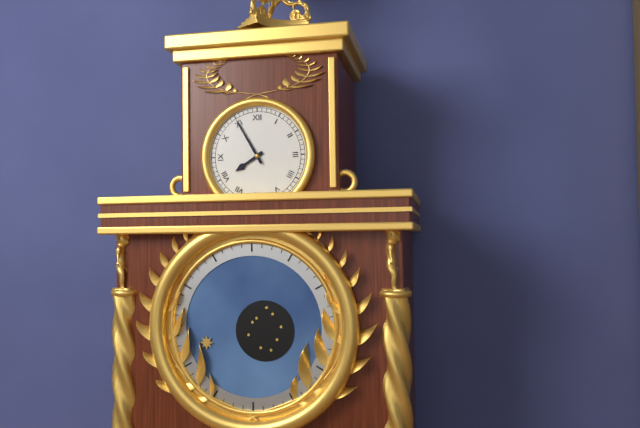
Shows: h=7 m=55
